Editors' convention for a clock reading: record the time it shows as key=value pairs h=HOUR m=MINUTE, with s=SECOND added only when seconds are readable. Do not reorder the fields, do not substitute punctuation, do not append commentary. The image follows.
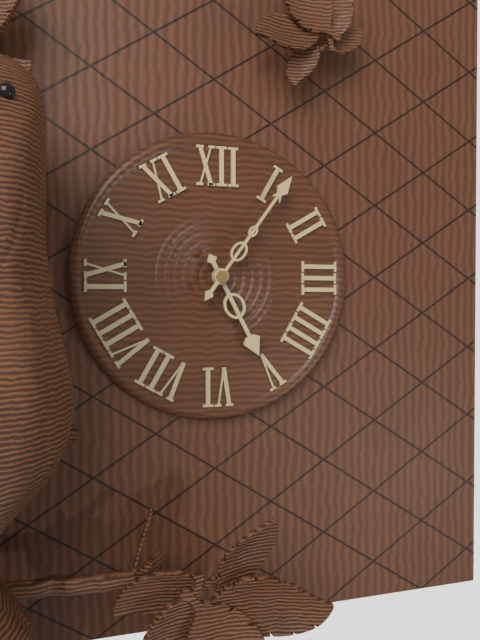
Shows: h=5 m=6
